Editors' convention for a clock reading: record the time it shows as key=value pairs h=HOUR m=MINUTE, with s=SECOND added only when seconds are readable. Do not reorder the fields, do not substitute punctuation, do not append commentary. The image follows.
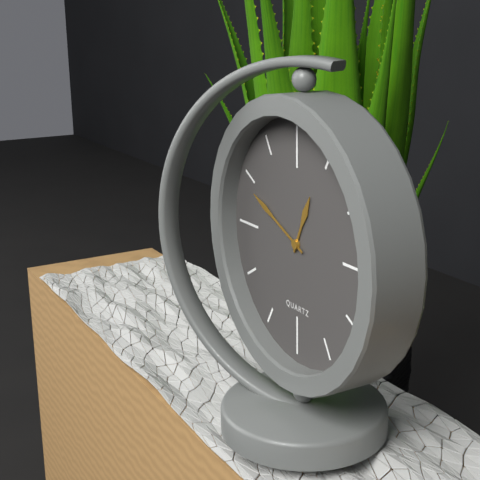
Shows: h=12 m=49
